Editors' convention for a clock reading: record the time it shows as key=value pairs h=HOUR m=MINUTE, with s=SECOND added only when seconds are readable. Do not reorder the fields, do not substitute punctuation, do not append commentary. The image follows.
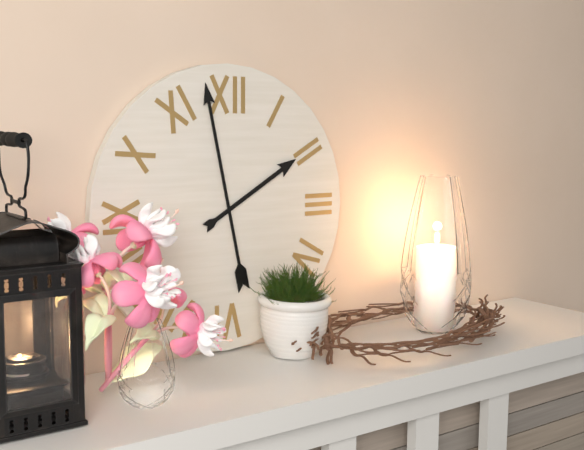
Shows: h=1 m=58
